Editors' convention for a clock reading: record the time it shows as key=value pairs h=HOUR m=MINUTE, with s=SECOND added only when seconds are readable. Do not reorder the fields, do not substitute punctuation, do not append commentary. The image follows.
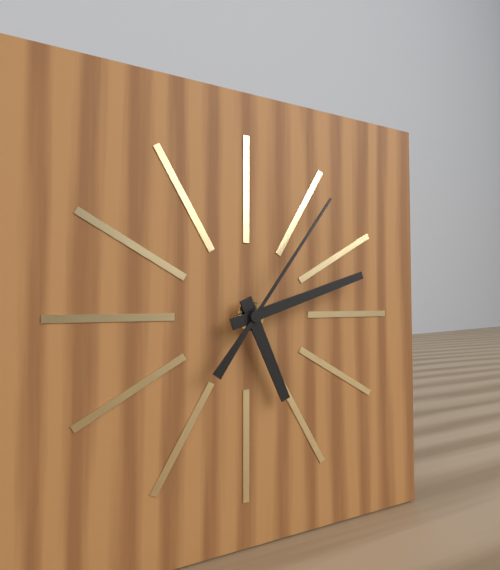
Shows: h=5 m=12 s=6
